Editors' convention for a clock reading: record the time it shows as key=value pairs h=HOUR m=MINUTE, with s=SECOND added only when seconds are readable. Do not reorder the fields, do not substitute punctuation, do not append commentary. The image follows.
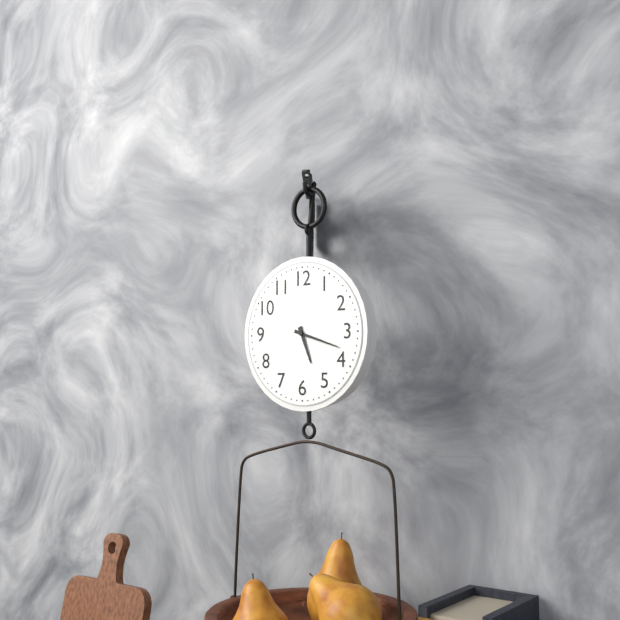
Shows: h=5 m=18
